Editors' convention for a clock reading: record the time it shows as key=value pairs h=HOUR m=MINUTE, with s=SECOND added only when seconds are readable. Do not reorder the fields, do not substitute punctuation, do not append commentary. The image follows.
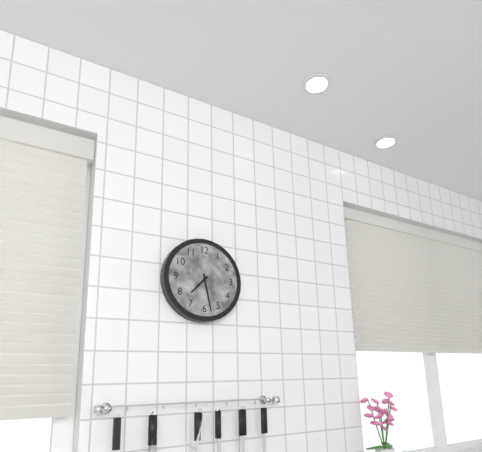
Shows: h=7 m=28
